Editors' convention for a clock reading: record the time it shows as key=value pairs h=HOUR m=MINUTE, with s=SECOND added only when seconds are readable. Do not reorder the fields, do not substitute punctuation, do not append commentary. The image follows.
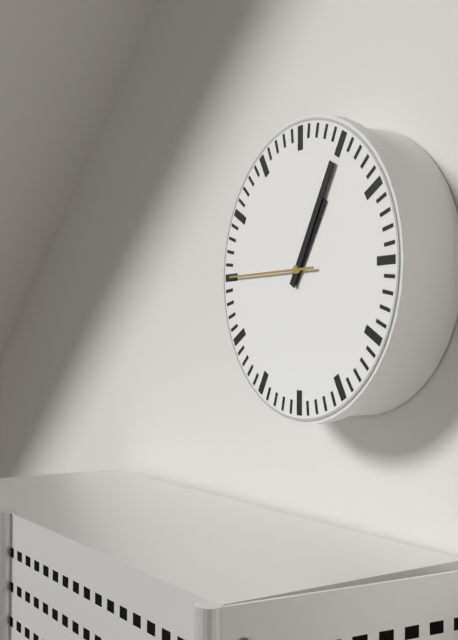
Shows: h=1 m=5 s=45
